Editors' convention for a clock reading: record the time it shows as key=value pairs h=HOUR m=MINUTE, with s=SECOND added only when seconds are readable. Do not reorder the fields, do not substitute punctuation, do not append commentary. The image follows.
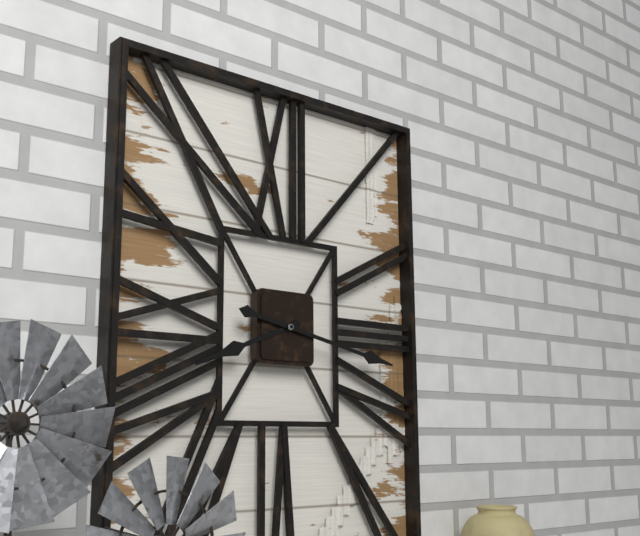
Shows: h=8 m=17
